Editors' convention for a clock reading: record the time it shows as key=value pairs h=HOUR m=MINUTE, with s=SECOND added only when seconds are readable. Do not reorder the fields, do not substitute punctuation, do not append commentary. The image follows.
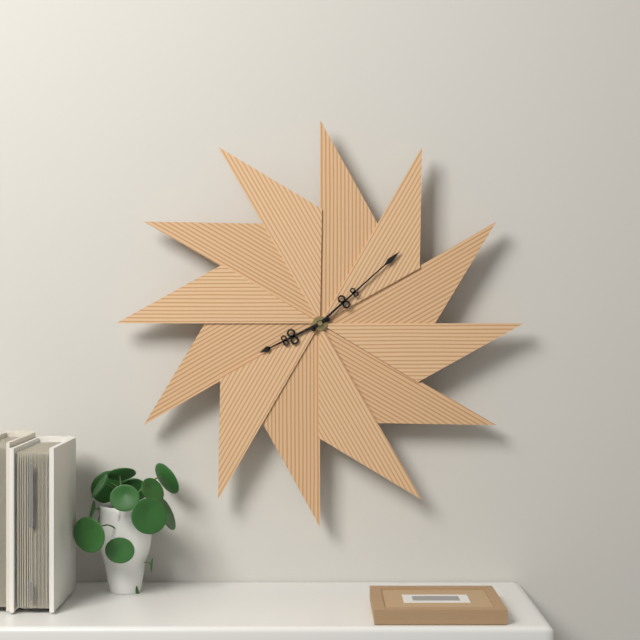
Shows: h=8 m=8
